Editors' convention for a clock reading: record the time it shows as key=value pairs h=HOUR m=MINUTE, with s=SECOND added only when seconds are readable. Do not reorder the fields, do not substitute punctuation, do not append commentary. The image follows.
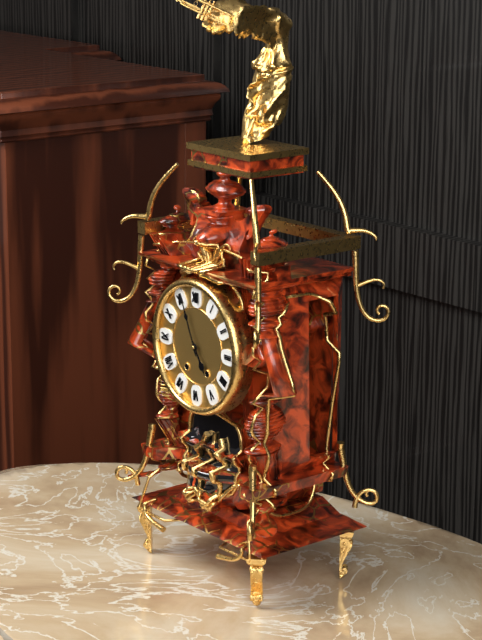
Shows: h=4 m=56
